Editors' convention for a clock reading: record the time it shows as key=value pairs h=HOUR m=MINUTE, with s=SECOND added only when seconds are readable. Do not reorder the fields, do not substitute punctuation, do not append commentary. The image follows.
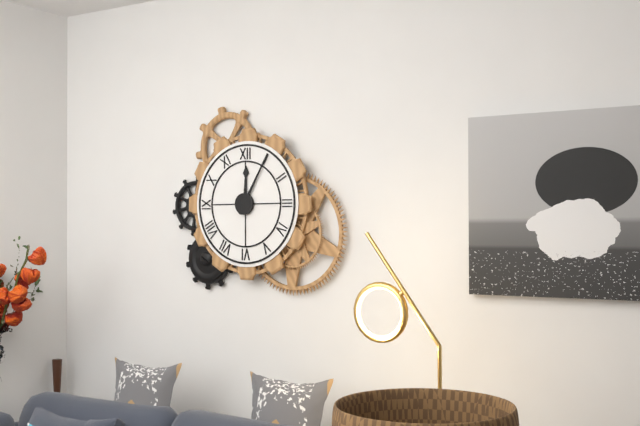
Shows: h=12 m=5
